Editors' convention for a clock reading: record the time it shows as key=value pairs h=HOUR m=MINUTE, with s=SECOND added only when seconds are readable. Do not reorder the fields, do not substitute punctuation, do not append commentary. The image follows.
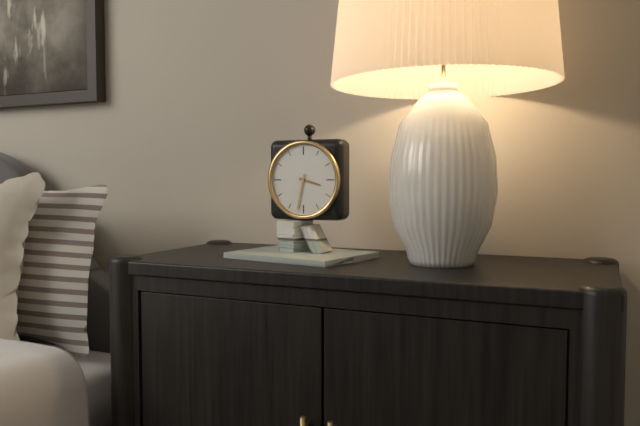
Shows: h=3 m=32
